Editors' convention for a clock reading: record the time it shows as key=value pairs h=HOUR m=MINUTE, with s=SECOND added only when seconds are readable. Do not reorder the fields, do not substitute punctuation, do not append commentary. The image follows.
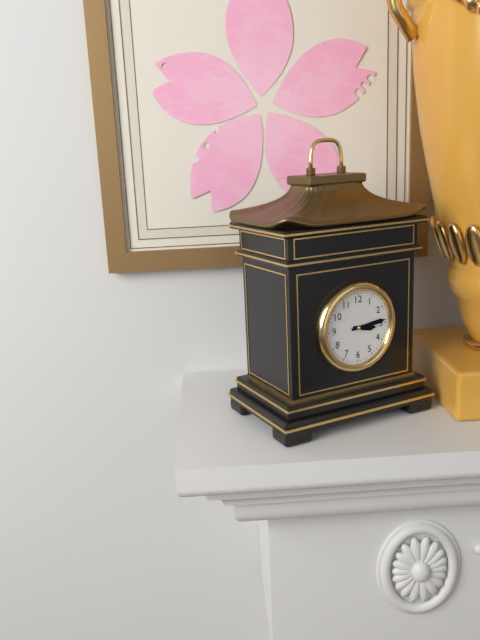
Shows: h=3 m=14
